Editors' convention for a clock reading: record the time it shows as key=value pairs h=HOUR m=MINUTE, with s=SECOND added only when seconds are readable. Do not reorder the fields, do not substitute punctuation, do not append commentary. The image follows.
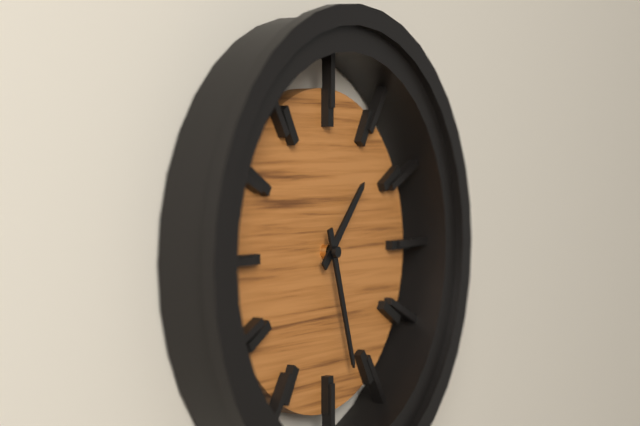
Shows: h=1 m=27
